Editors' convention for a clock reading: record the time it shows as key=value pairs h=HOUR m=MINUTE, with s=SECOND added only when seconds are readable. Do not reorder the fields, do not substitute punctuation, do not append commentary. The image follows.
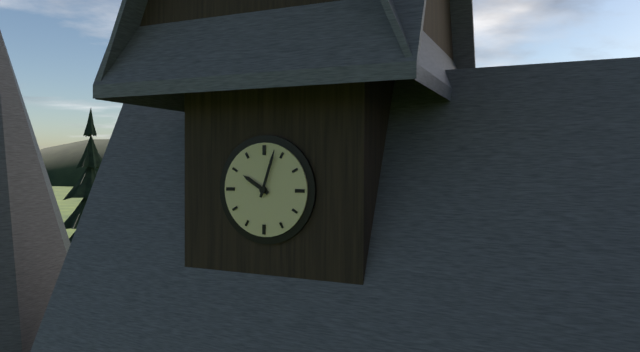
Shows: h=10 m=3
